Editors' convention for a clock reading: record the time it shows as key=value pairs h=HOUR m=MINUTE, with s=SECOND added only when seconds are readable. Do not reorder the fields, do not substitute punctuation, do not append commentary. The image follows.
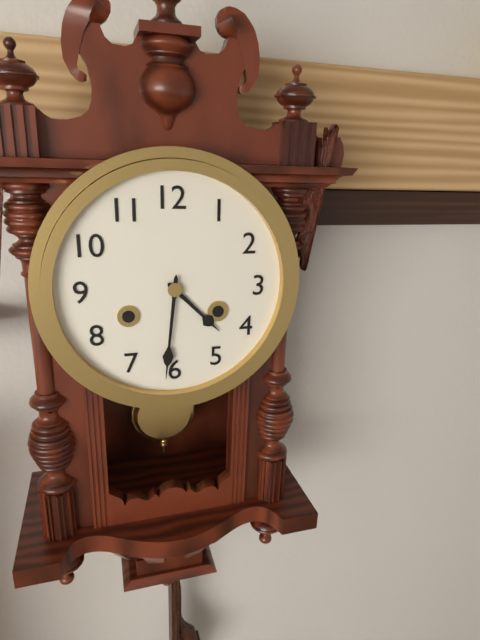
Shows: h=4 m=31
